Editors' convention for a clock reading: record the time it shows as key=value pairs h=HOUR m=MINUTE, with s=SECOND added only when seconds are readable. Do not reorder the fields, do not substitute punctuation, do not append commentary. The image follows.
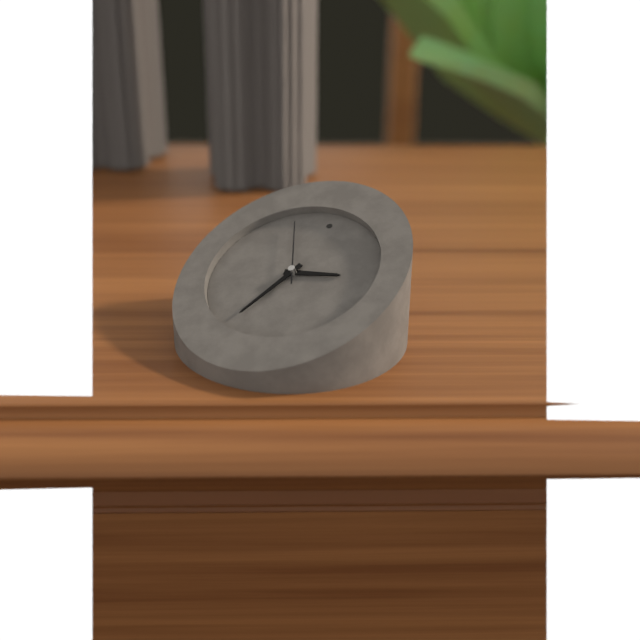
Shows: h=2 m=33 s=55
